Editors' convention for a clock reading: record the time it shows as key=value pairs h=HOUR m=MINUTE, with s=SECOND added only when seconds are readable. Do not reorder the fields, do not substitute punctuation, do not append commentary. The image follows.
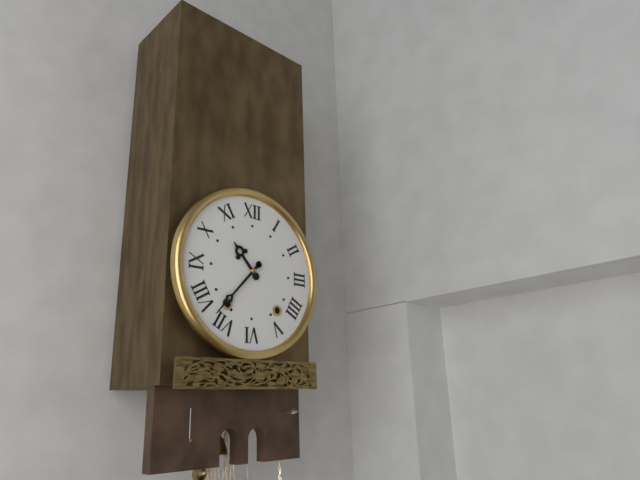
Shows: h=10 m=37
